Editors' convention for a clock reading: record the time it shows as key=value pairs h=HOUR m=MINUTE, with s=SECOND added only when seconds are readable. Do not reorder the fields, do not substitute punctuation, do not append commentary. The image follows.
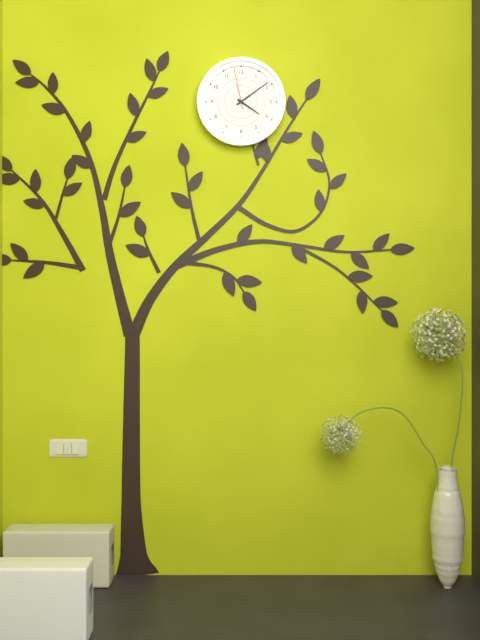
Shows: h=4 m=9
